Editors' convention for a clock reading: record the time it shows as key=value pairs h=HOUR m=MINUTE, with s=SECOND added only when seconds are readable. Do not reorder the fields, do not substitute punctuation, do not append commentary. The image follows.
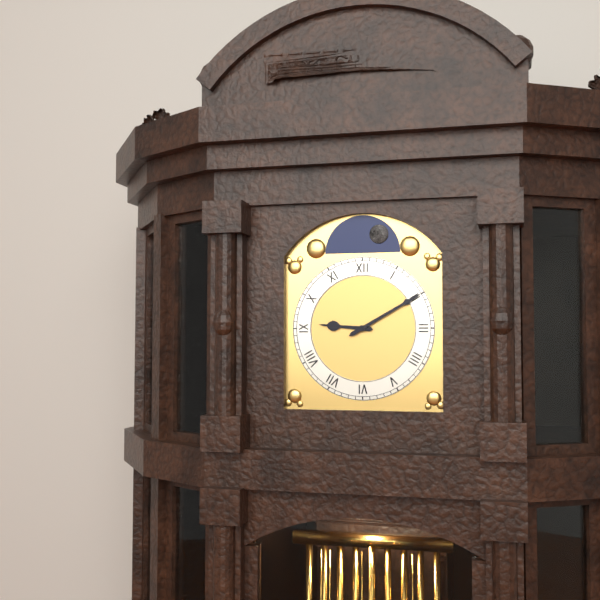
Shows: h=9 m=10
